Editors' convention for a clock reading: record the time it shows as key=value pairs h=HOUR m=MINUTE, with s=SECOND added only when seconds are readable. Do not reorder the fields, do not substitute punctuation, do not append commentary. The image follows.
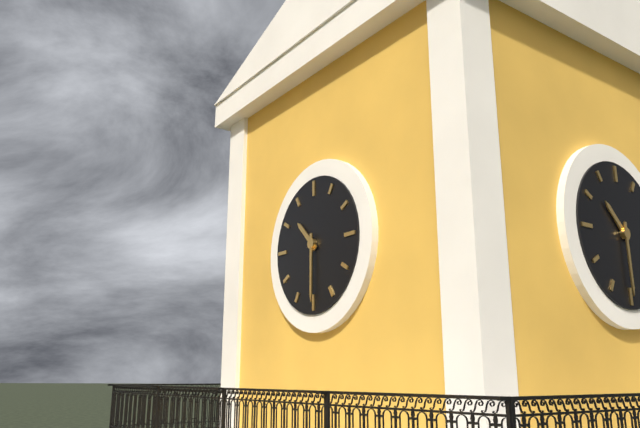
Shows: h=10 m=30
